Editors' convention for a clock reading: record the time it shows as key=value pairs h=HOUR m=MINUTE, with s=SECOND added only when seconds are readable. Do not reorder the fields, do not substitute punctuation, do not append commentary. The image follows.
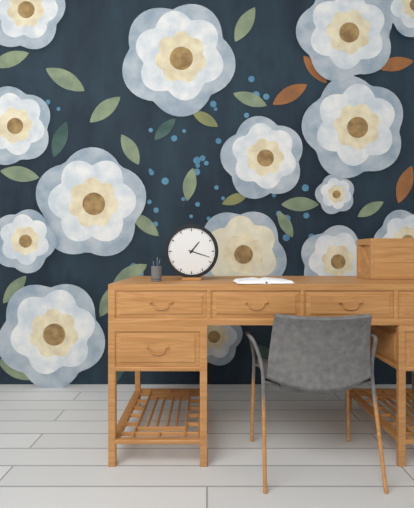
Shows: h=1 m=18
